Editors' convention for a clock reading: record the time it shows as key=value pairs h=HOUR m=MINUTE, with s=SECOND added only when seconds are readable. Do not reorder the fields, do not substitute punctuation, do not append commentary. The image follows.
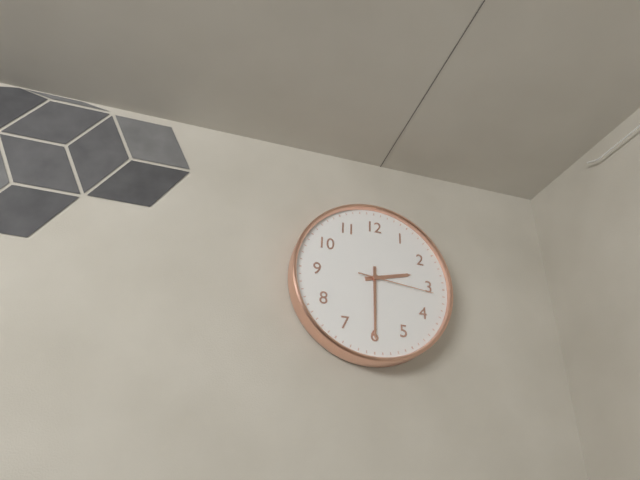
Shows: h=2 m=30 s=16
